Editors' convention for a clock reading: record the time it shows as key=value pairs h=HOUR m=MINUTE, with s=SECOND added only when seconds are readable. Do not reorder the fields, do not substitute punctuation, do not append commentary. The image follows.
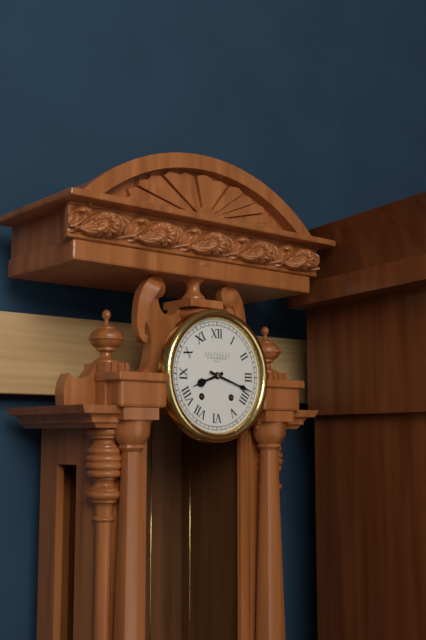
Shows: h=8 m=18
